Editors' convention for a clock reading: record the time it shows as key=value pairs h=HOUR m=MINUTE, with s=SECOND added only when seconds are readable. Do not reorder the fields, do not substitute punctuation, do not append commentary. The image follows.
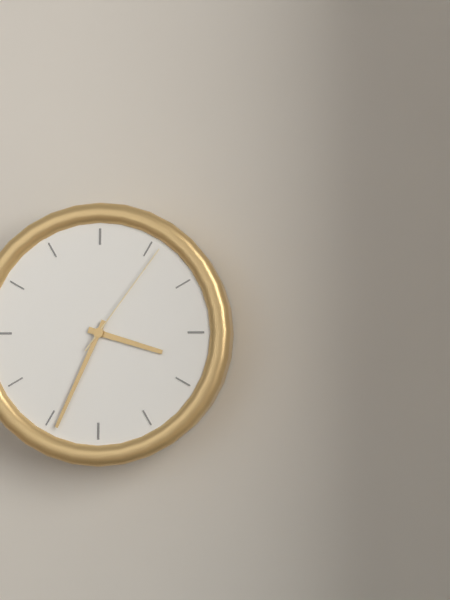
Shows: h=3 m=34 s=6
